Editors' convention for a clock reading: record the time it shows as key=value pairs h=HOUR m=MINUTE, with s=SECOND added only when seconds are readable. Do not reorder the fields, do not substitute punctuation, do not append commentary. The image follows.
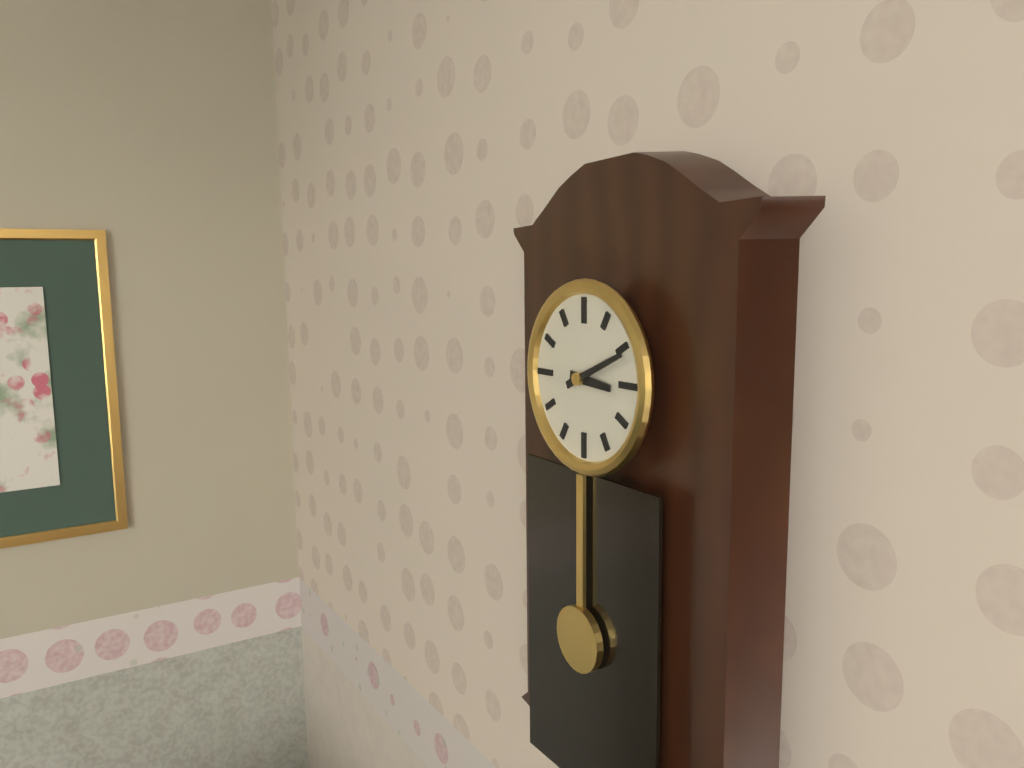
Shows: h=3 m=11
